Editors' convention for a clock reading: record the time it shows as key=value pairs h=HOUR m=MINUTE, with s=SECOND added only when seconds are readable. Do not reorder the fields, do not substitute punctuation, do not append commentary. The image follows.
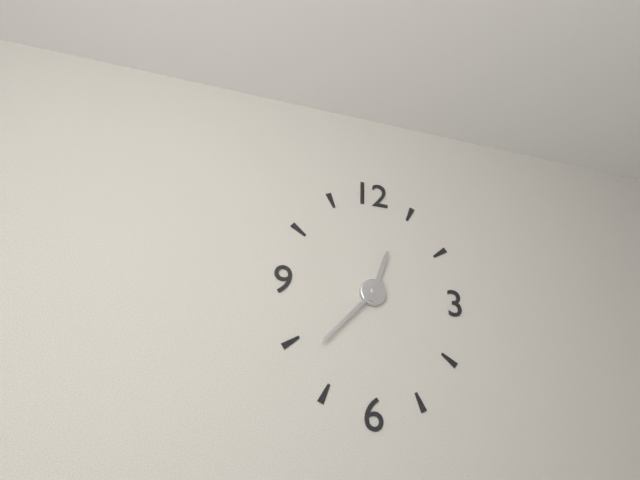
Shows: h=12 m=37
